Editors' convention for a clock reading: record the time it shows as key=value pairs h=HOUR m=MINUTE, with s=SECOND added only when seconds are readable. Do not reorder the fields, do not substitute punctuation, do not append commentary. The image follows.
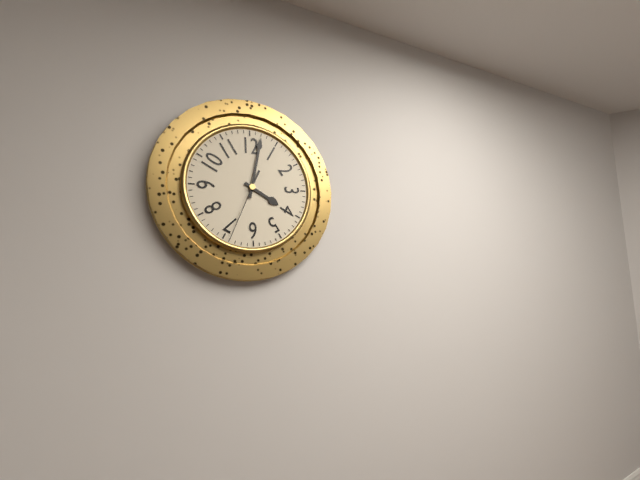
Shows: h=4 m=2 s=34
